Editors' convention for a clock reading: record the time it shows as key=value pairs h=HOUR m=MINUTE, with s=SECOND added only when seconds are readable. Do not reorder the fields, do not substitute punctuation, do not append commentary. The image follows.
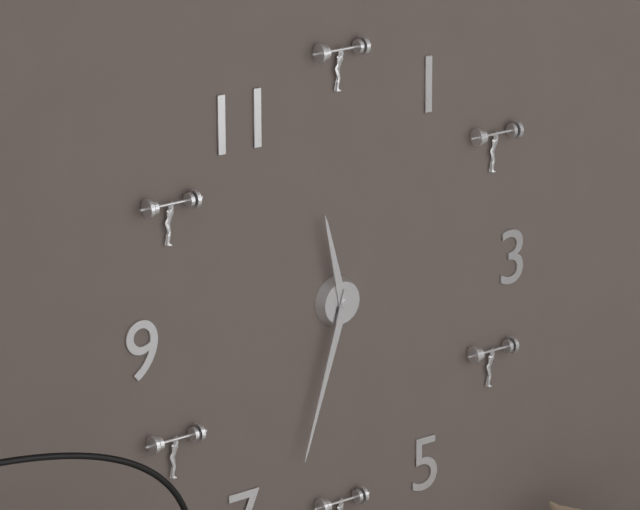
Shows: h=11 m=33
